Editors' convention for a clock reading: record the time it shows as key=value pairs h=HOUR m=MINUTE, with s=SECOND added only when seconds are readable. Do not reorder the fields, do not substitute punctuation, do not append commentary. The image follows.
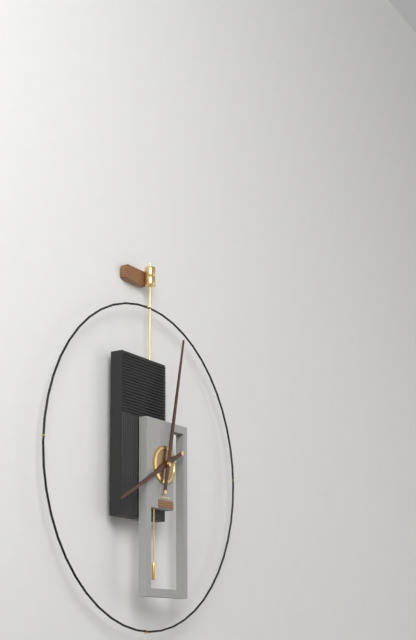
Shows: h=8 m=2
